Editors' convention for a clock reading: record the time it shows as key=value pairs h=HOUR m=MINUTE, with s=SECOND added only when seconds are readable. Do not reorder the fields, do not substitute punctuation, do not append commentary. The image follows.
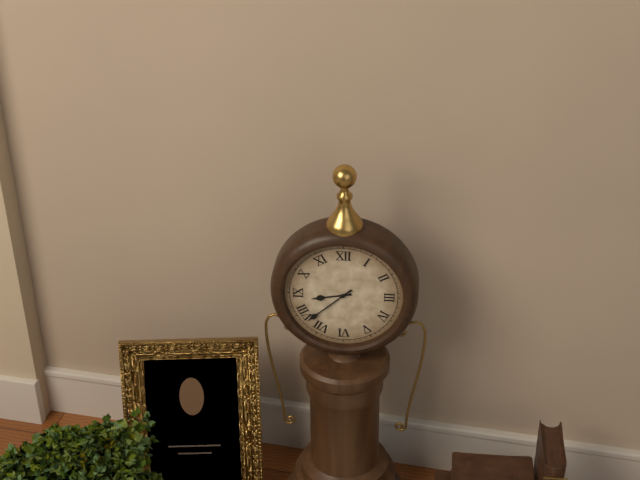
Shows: h=8 m=38
